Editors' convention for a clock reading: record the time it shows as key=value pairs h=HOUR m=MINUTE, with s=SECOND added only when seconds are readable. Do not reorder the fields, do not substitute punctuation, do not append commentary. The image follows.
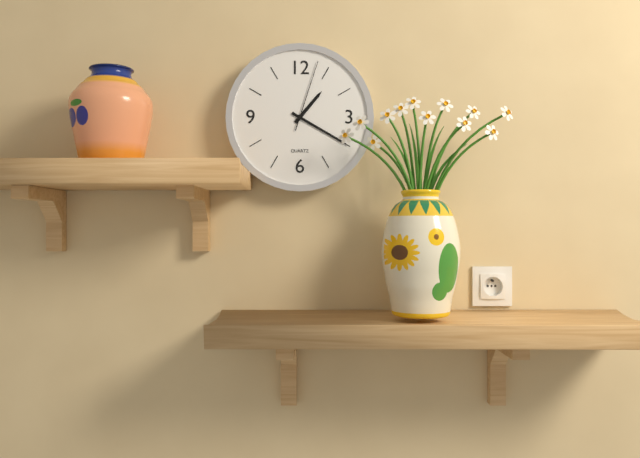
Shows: h=1 m=20 s=3
